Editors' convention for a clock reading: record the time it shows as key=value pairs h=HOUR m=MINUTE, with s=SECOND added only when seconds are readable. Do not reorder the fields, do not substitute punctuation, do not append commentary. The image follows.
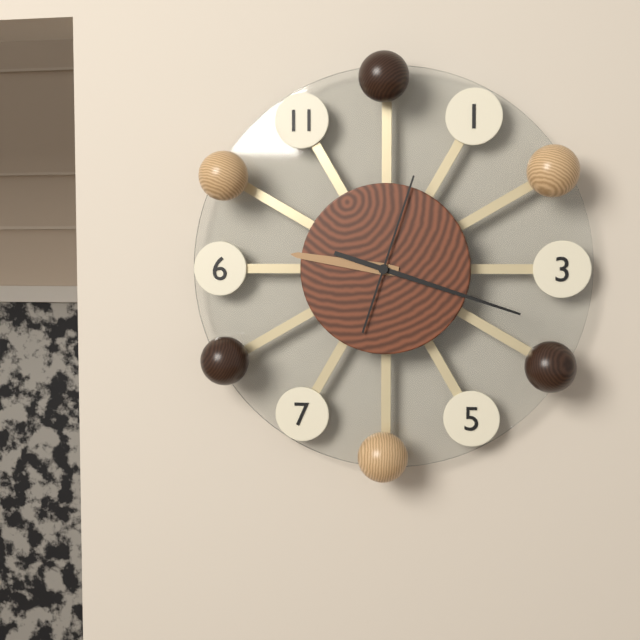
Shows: h=9 m=18 s=3
